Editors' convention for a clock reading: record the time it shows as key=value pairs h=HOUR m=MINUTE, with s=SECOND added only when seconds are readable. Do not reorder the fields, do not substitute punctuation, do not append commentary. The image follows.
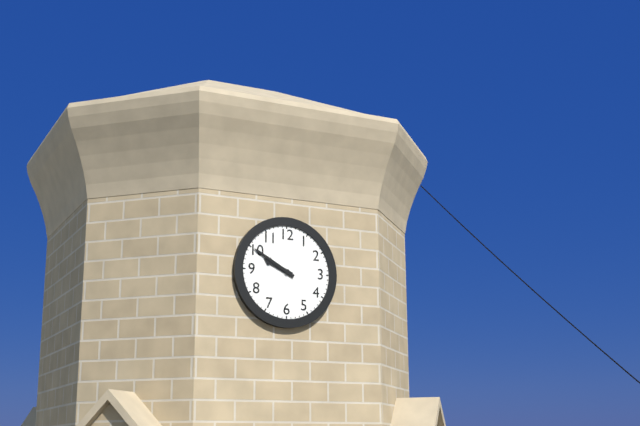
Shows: h=9 m=50
